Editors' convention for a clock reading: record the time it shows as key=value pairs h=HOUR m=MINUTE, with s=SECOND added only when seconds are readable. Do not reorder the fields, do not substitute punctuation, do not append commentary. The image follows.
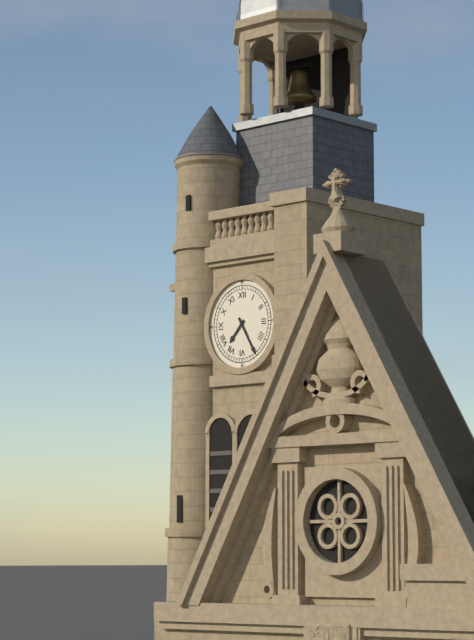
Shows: h=7 m=25
